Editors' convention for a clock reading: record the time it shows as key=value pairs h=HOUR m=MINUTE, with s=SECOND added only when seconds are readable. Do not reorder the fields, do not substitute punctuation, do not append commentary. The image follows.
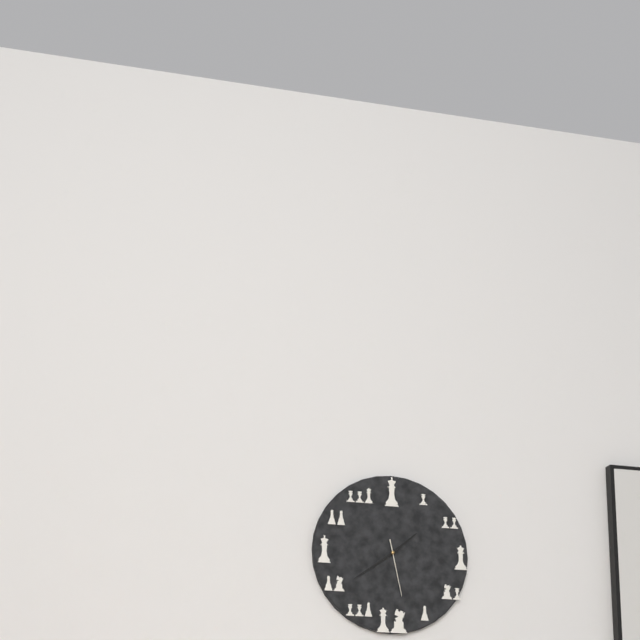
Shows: h=1 m=39 s=28
